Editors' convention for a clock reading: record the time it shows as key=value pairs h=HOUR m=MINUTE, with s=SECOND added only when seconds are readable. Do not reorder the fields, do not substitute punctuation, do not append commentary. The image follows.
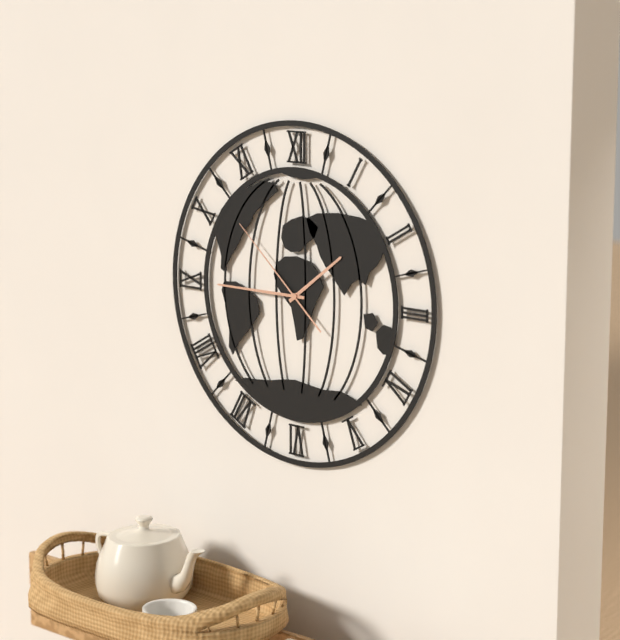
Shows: h=1 m=45 s=52
